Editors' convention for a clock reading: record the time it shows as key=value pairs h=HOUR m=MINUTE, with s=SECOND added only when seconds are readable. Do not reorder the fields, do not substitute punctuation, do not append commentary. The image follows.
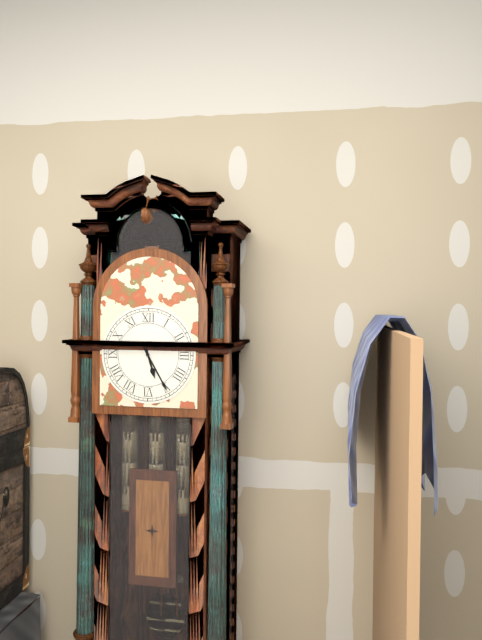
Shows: h=5 m=25
